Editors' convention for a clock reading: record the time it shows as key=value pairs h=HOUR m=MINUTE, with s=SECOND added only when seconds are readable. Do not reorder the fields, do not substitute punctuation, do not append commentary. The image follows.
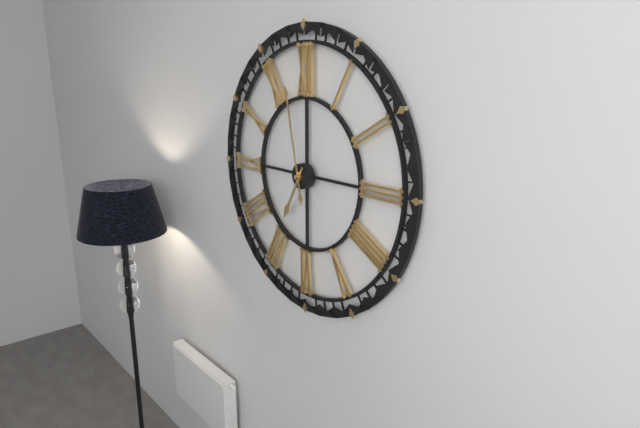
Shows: h=6 m=58
